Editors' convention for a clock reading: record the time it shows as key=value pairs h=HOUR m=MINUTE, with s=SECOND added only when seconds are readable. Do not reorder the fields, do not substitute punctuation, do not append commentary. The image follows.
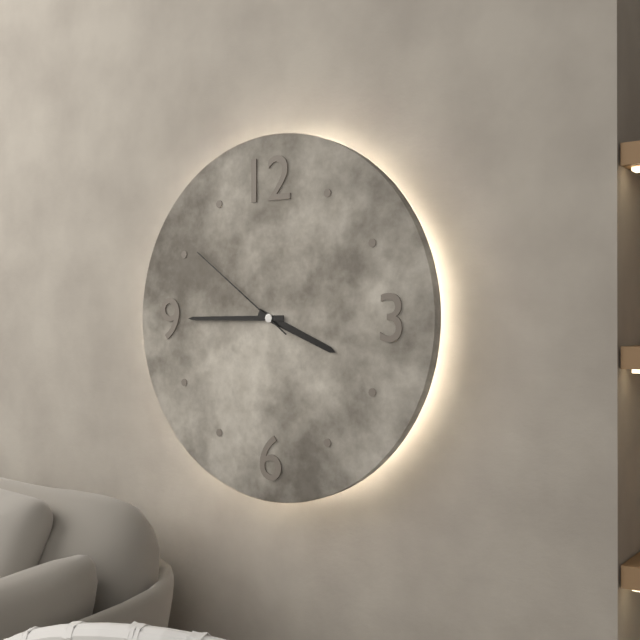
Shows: h=3 m=45 s=51
